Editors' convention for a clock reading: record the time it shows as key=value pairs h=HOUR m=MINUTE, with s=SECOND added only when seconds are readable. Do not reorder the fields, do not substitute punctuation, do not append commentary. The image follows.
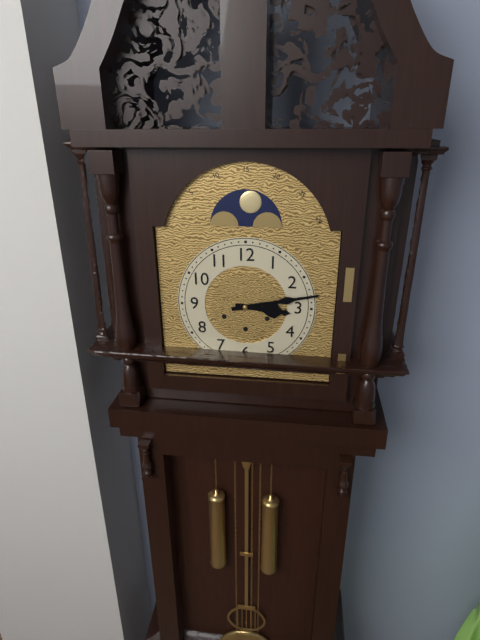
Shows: h=3 m=13
